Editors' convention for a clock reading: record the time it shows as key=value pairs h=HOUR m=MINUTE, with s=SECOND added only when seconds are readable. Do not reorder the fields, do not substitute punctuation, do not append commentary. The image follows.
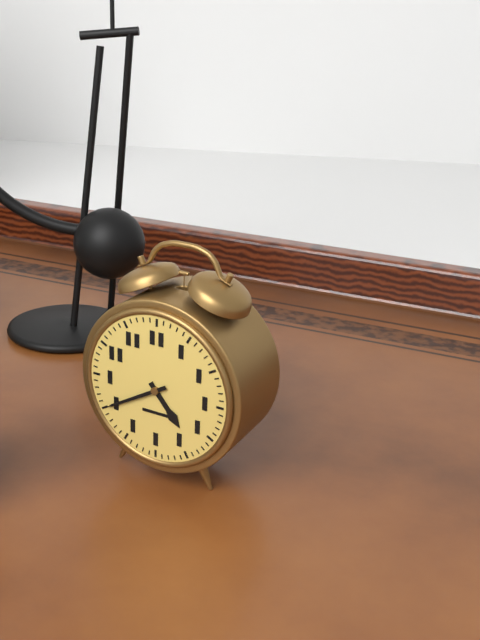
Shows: h=4 m=40
